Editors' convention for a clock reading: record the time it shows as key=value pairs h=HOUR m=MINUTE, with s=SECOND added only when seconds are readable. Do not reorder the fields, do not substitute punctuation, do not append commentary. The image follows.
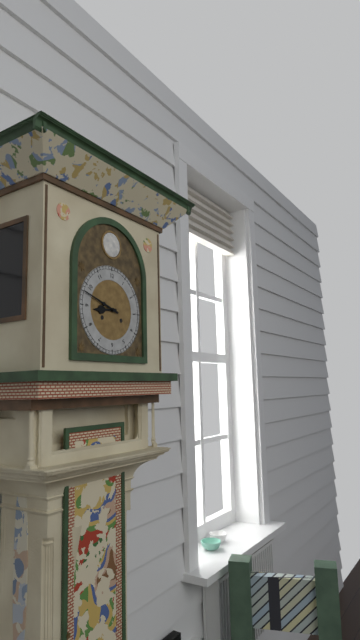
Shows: h=8 m=48
